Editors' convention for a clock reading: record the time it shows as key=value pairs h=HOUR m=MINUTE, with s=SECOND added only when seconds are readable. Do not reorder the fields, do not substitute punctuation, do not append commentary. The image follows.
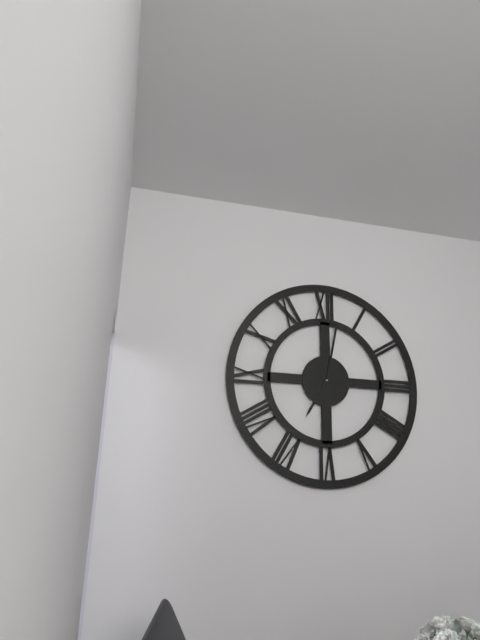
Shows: h=7 m=2
